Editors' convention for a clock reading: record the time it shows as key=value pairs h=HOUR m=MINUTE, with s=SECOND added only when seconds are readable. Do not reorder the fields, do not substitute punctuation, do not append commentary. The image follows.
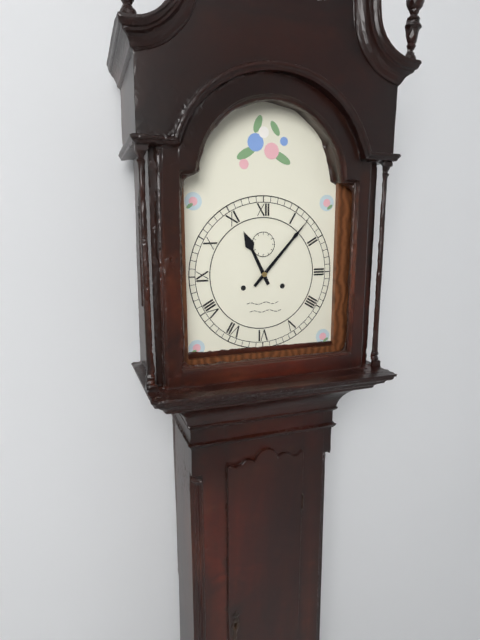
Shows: h=11 m=7
